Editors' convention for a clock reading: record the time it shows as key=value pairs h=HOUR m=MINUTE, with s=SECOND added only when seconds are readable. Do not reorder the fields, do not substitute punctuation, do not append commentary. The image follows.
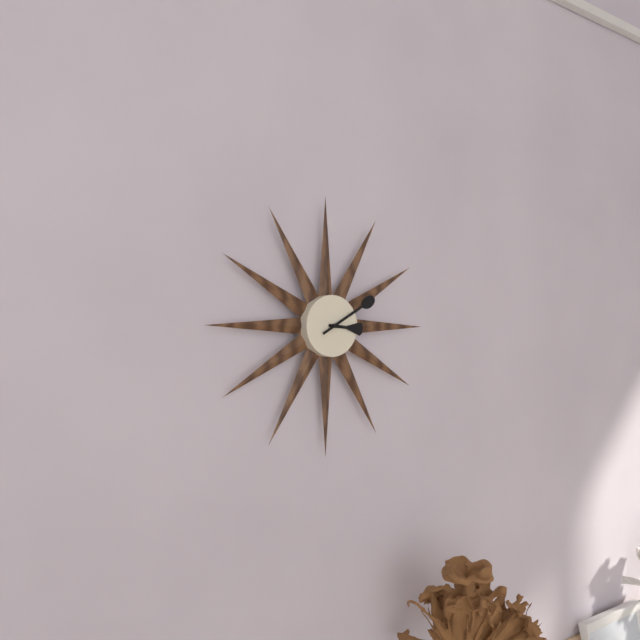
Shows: h=3 m=10
